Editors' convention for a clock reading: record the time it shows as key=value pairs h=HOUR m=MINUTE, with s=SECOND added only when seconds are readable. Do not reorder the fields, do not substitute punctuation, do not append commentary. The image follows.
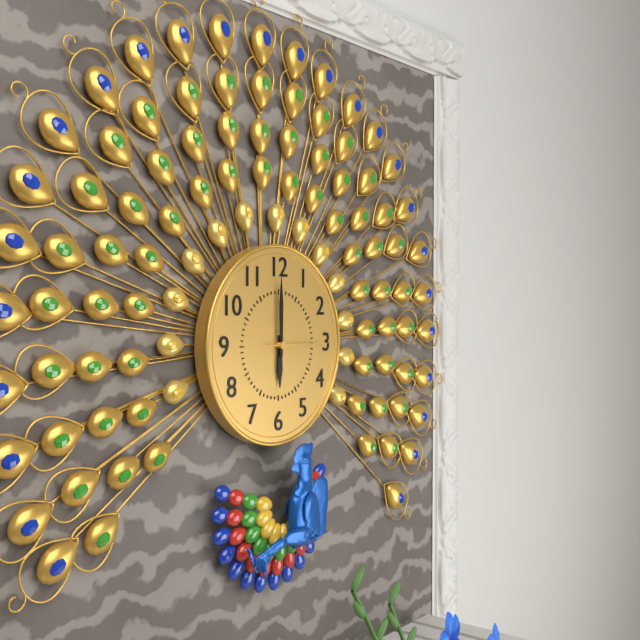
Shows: h=6 m=0 s=15
